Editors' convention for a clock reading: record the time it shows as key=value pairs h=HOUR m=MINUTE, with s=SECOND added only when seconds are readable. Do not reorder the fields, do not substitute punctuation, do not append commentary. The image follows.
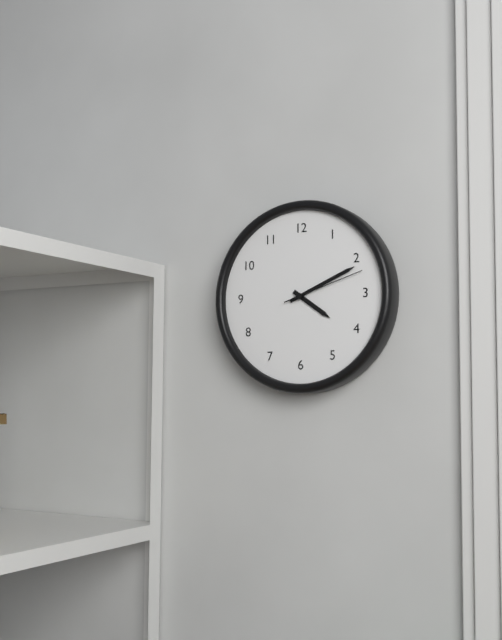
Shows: h=4 m=11 s=12
